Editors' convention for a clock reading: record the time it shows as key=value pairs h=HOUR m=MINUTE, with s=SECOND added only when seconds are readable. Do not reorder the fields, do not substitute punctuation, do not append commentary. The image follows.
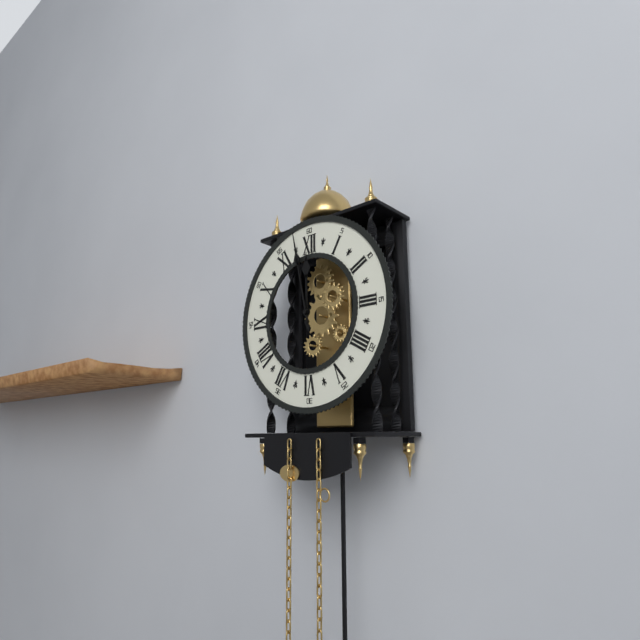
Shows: h=11 m=58
